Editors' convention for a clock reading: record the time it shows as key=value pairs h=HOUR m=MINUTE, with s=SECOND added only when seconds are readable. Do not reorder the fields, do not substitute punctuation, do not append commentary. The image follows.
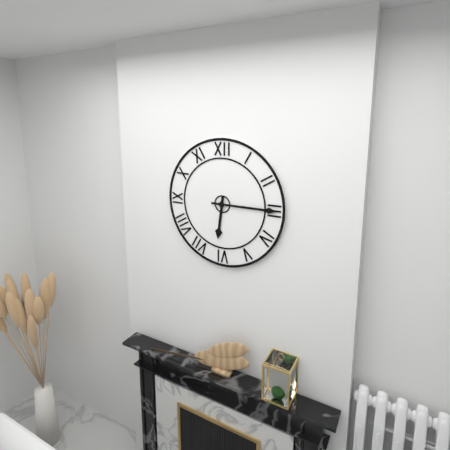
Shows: h=6 m=15
